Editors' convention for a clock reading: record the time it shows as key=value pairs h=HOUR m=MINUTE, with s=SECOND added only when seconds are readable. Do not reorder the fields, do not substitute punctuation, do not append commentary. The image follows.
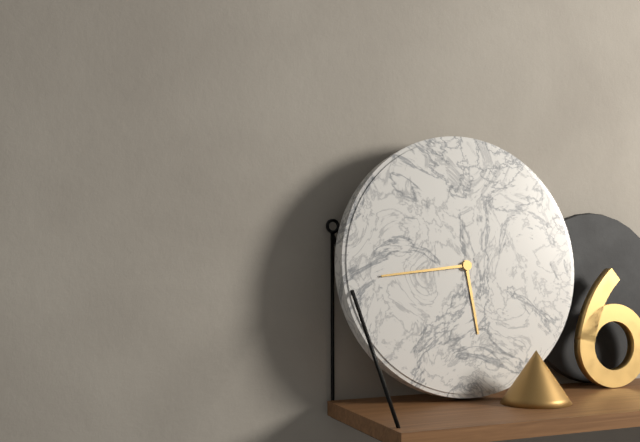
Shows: h=5 m=44
